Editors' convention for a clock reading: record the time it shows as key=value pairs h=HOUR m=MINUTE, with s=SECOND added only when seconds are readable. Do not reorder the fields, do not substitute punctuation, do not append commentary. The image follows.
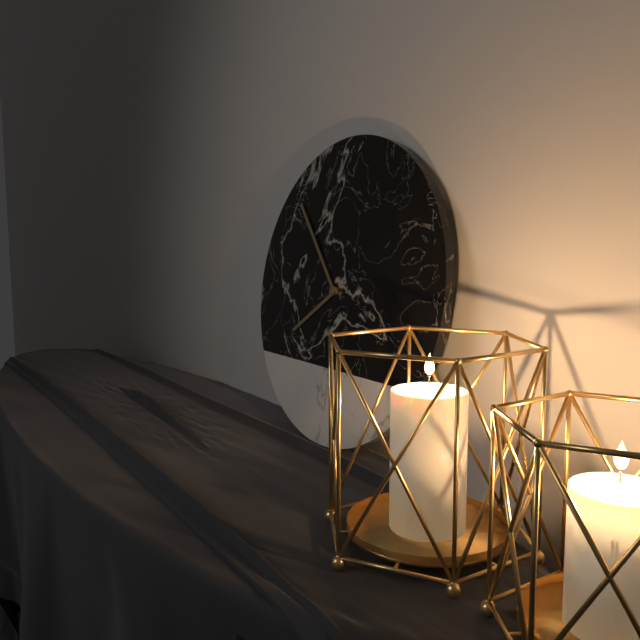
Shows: h=7 m=53
